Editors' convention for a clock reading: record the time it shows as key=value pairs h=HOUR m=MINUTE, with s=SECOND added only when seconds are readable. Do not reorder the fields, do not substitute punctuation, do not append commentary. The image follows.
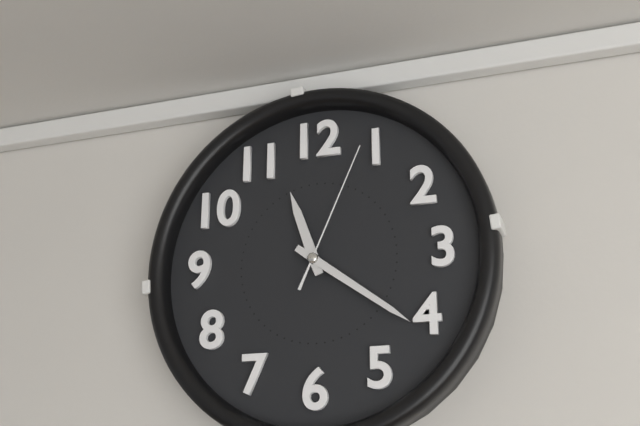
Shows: h=11 m=21 s=4
